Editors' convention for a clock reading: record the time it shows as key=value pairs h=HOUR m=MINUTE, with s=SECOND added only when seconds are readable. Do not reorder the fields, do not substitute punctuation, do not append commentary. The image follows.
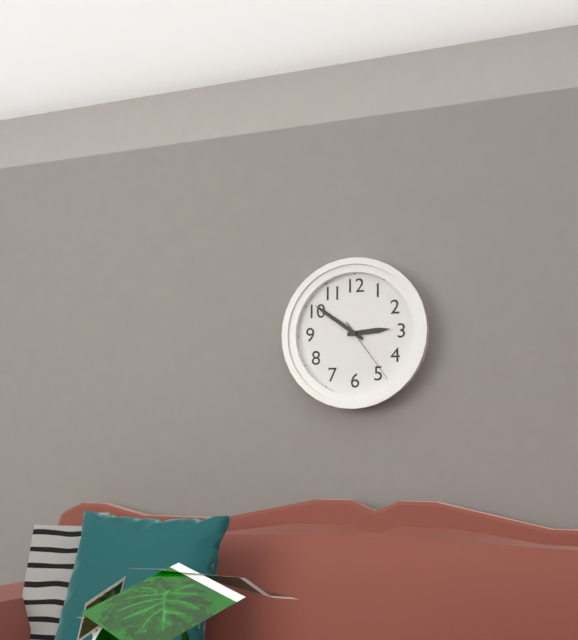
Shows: h=2 m=51 s=24
